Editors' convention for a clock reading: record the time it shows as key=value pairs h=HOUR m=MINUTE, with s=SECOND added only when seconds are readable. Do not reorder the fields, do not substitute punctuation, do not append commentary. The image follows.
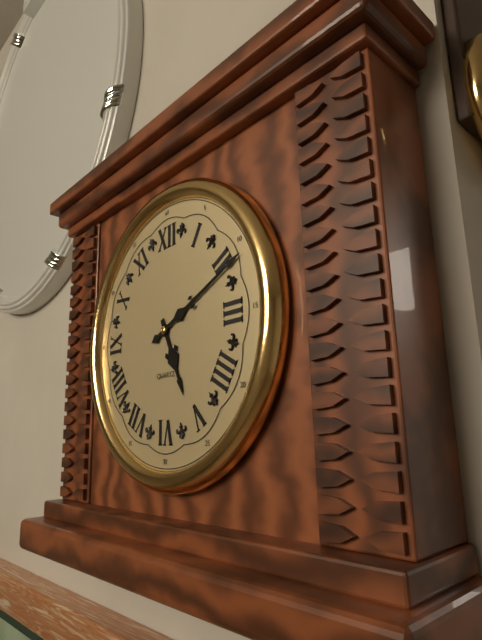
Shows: h=5 m=11
